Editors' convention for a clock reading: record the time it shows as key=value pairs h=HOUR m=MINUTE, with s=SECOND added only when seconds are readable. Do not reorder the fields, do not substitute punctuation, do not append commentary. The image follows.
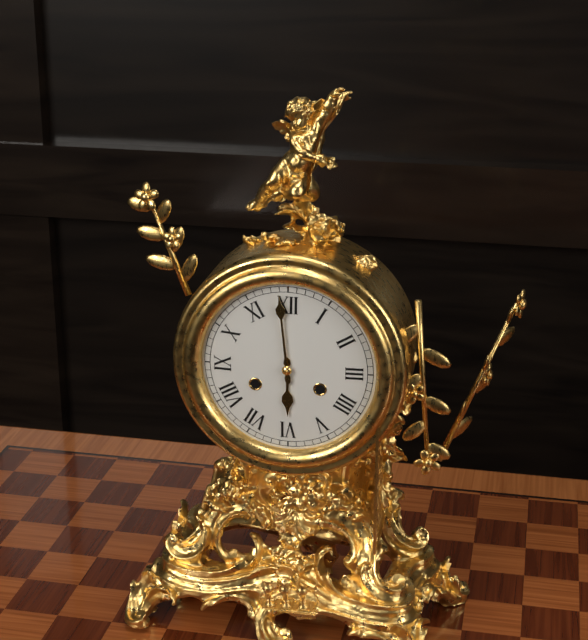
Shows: h=5 m=59
